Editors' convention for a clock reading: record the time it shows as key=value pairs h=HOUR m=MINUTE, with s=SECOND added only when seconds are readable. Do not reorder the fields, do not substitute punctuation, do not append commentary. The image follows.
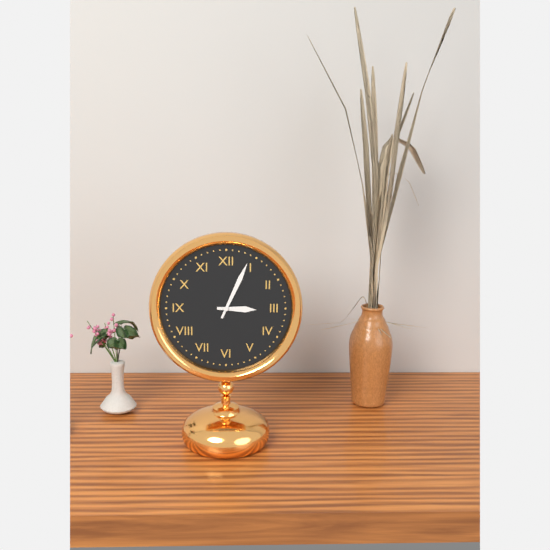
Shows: h=3 m=4
